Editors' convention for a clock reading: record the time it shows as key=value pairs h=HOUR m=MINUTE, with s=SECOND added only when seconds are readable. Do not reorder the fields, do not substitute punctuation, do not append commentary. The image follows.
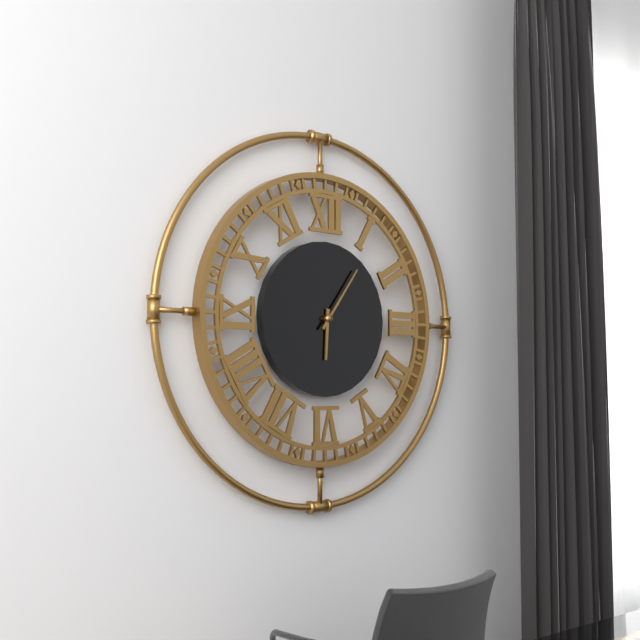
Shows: h=6 m=6
